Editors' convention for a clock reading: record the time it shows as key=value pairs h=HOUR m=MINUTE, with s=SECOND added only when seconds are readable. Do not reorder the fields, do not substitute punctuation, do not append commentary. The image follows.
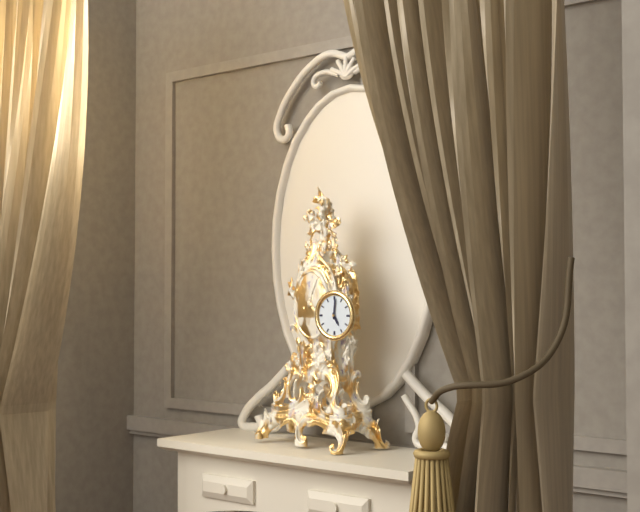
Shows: h=5 m=1
